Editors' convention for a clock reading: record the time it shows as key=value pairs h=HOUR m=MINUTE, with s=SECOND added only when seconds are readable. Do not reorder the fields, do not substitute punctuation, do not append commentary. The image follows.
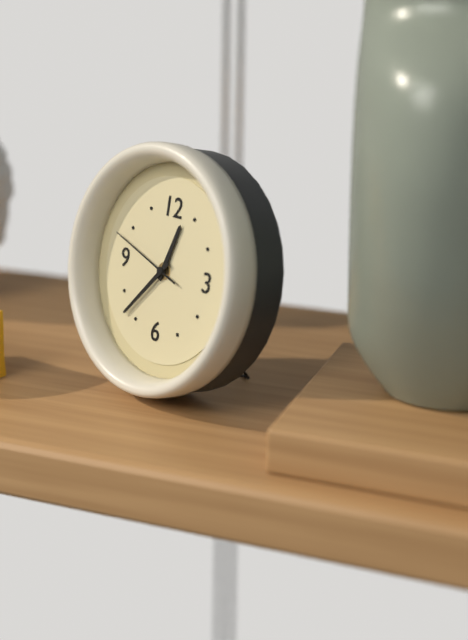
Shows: h=12 m=37 s=48
